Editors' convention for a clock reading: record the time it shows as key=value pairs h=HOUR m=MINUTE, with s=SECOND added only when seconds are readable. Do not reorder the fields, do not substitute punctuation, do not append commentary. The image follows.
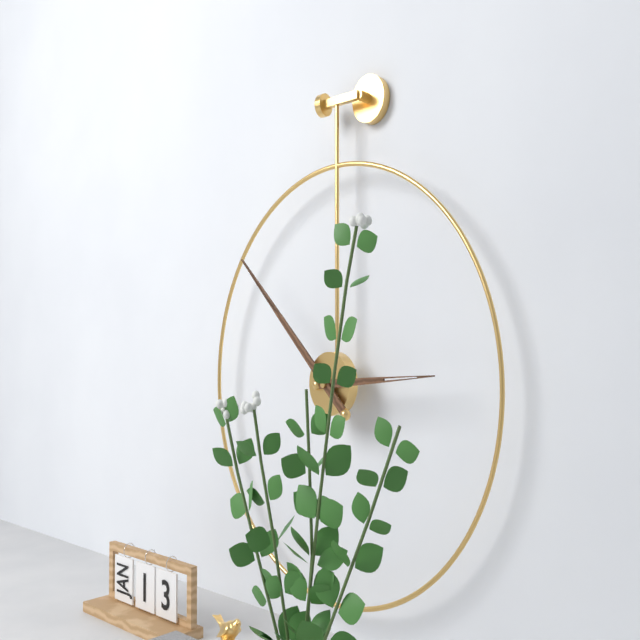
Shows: h=2 m=52
